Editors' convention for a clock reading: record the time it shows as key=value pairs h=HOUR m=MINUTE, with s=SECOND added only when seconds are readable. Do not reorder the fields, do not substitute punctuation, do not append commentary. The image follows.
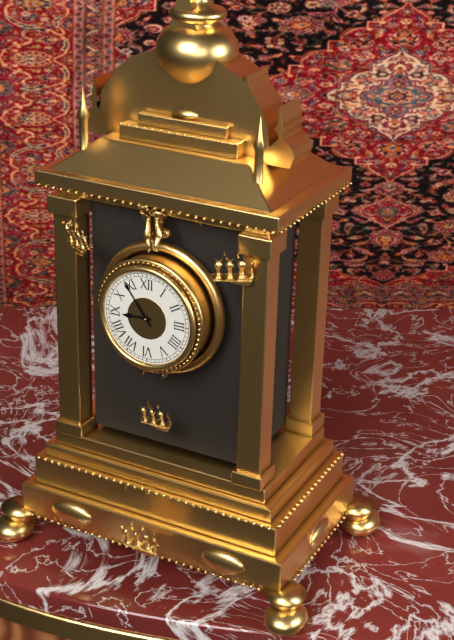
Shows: h=8 m=54
